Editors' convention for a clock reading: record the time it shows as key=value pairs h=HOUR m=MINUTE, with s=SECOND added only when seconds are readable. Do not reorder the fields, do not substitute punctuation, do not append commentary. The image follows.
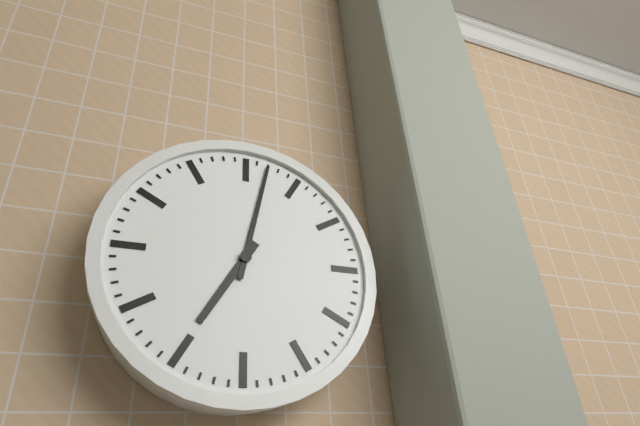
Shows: h=7 m=2
